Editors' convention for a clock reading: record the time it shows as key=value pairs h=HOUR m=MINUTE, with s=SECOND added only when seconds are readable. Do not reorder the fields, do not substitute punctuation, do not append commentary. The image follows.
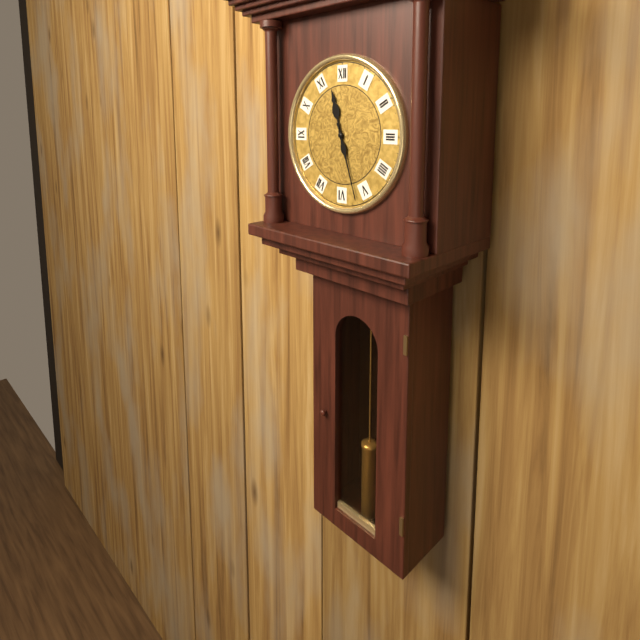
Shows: h=11 m=27
